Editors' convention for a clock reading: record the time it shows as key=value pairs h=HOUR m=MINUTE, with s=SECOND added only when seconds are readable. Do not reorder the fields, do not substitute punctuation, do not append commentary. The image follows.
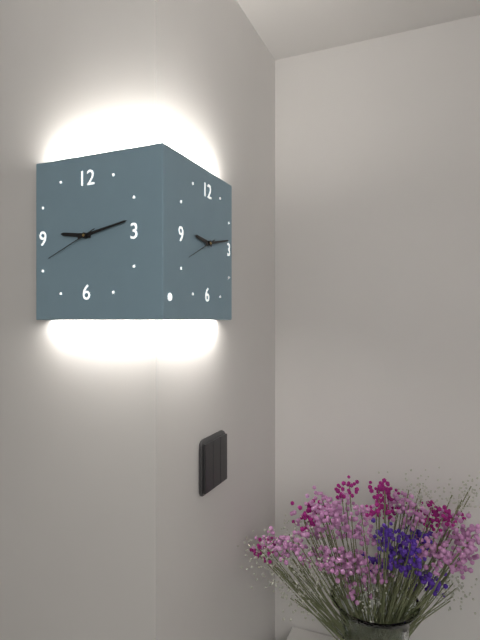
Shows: h=9 m=13 s=41
